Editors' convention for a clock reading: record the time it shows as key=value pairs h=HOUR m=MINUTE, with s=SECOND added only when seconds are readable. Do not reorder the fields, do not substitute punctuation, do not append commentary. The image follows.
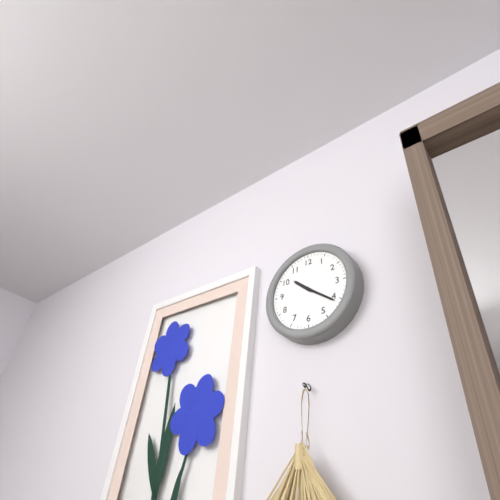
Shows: h=10 m=21
